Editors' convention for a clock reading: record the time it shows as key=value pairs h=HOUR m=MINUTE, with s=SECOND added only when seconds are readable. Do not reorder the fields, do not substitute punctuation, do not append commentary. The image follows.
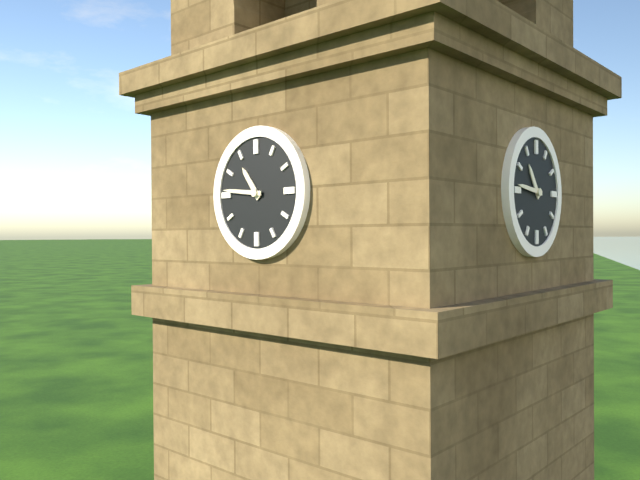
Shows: h=10 m=46
